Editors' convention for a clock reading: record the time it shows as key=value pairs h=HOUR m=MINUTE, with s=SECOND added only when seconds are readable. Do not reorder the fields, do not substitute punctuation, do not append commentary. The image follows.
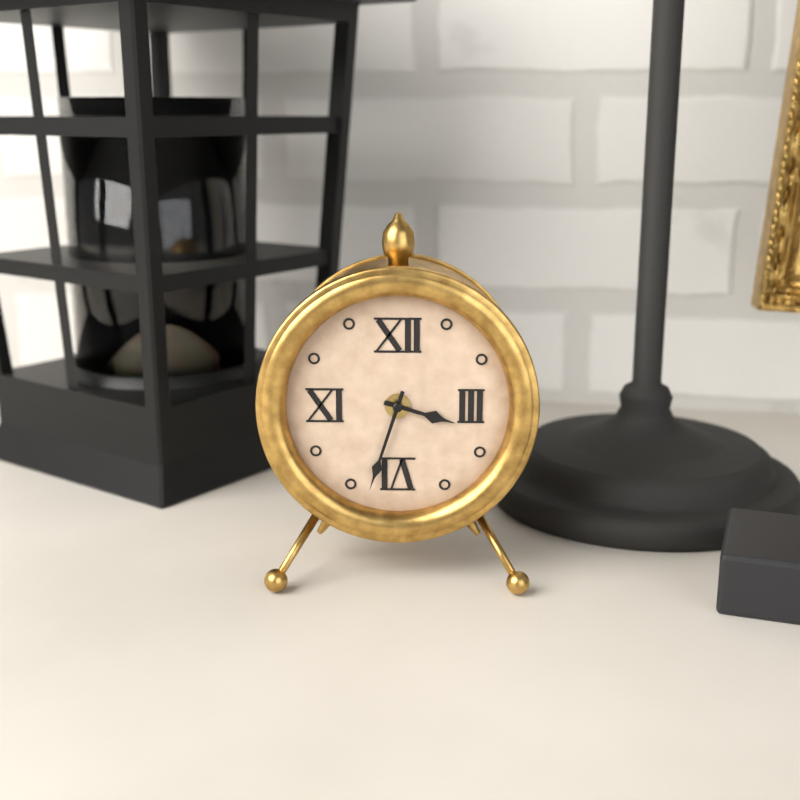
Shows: h=3 m=33
